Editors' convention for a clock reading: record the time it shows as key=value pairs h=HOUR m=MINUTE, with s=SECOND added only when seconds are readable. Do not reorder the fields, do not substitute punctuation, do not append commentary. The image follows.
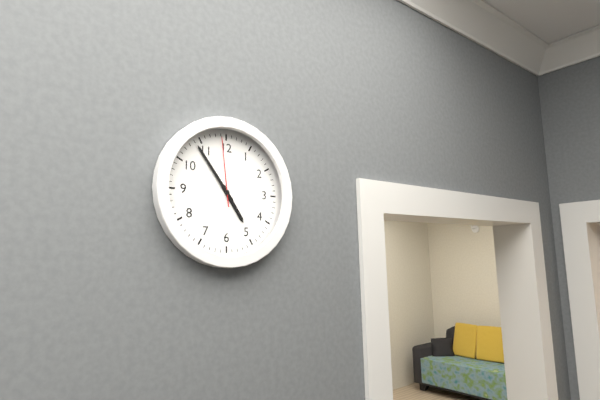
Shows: h=4 m=54 s=59
